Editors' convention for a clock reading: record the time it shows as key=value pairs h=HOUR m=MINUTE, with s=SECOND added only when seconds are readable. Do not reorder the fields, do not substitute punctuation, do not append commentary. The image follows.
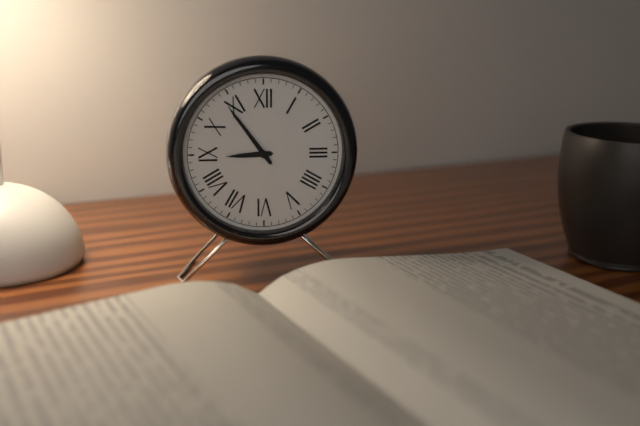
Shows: h=8 m=54
